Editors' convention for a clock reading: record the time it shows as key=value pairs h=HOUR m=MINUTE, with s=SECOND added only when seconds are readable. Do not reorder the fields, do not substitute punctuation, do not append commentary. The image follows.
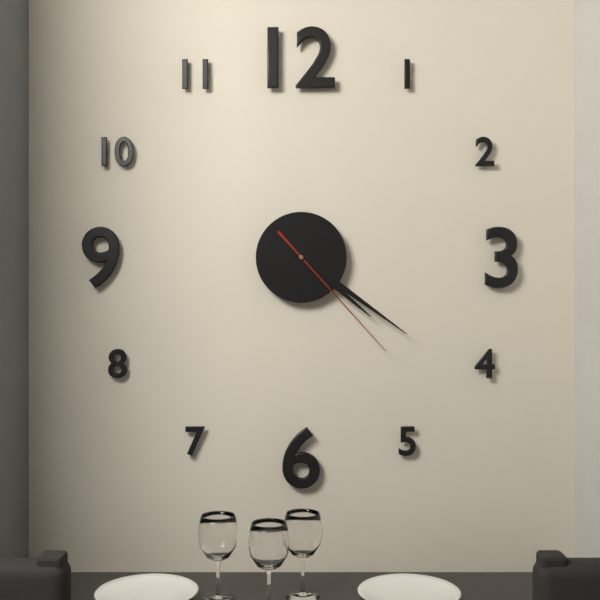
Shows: h=4 m=21 s=23
